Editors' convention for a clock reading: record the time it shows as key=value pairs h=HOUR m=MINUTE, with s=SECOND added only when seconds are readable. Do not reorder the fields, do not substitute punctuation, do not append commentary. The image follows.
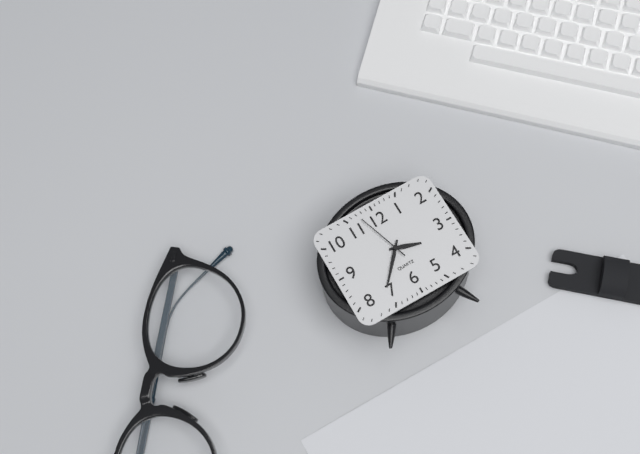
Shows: h=3 m=37 s=57
